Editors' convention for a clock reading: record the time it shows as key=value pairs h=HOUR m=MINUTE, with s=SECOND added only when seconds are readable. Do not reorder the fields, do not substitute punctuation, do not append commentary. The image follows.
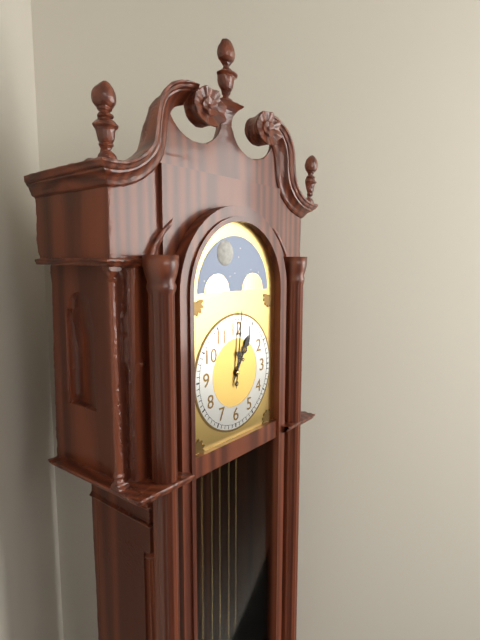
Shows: h=1 m=1
